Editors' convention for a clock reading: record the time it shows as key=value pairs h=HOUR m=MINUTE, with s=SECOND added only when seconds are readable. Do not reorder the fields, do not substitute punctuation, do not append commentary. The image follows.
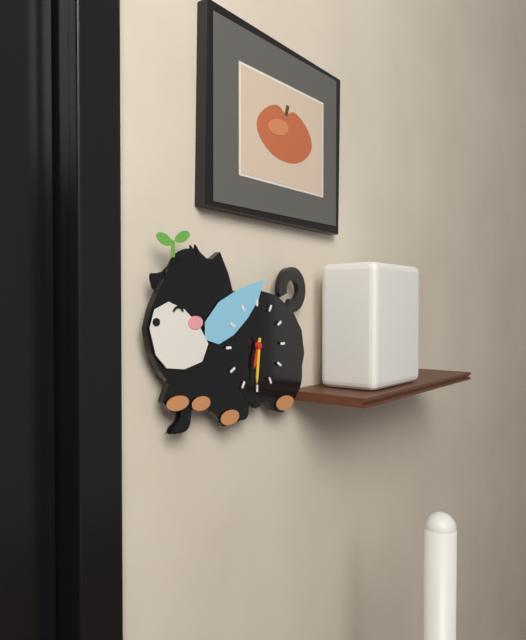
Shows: h=6 m=31
